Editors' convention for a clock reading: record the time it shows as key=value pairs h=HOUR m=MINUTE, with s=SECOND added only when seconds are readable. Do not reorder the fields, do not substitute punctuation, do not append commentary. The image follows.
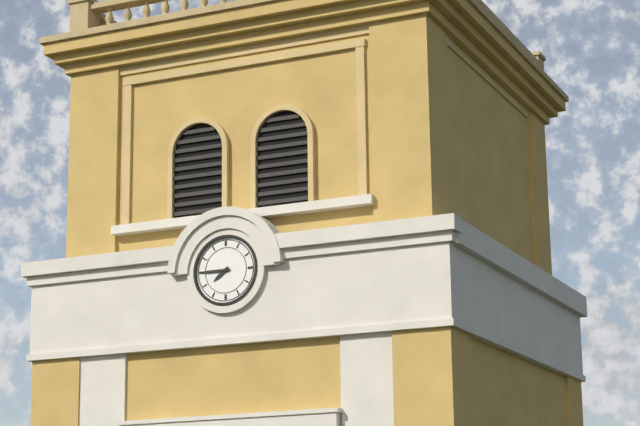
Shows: h=7 m=45
